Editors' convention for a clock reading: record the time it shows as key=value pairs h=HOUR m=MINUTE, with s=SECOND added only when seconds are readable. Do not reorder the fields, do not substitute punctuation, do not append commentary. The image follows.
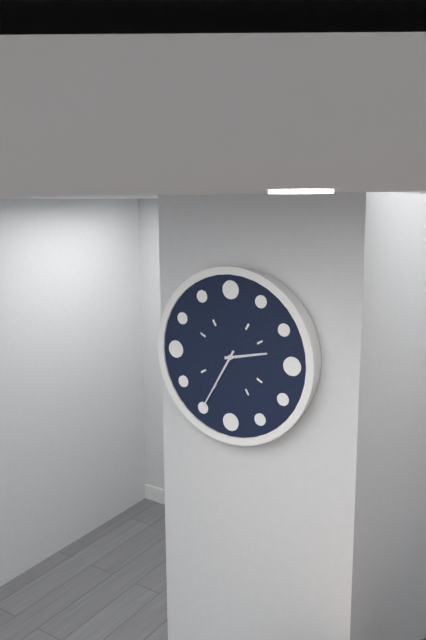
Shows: h=2 m=35
